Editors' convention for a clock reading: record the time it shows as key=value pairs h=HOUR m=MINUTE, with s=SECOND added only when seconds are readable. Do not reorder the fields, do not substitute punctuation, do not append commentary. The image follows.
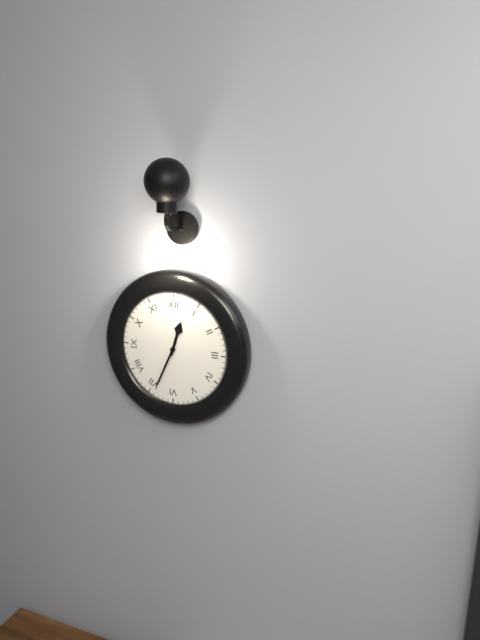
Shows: h=12 m=34
